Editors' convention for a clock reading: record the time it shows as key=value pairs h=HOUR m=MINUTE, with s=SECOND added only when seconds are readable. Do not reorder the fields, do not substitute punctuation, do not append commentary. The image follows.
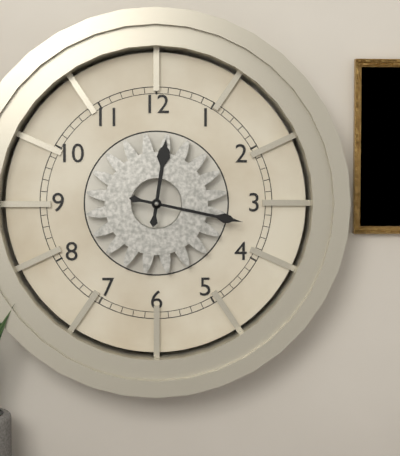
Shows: h=12 m=17
